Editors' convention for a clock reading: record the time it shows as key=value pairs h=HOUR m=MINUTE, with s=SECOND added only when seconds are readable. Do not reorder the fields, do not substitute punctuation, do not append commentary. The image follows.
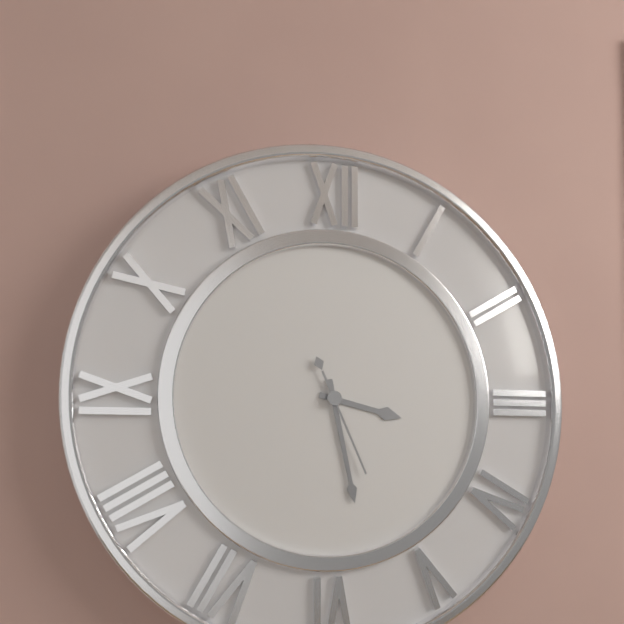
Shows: h=3 m=28 s=26
